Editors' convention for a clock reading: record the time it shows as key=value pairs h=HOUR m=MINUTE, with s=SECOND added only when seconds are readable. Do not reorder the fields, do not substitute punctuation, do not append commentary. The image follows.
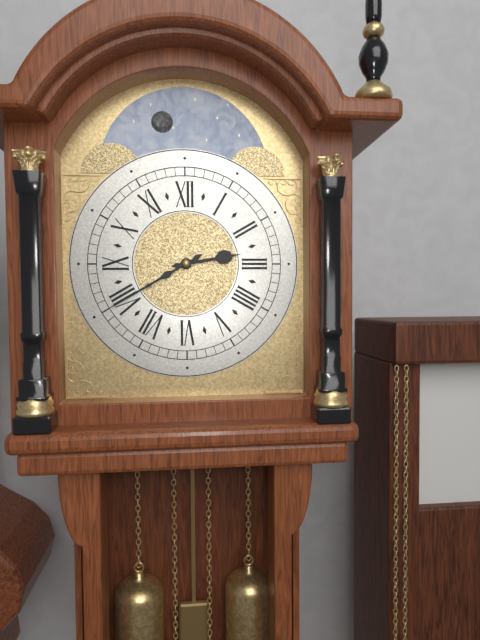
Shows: h=2 m=40
